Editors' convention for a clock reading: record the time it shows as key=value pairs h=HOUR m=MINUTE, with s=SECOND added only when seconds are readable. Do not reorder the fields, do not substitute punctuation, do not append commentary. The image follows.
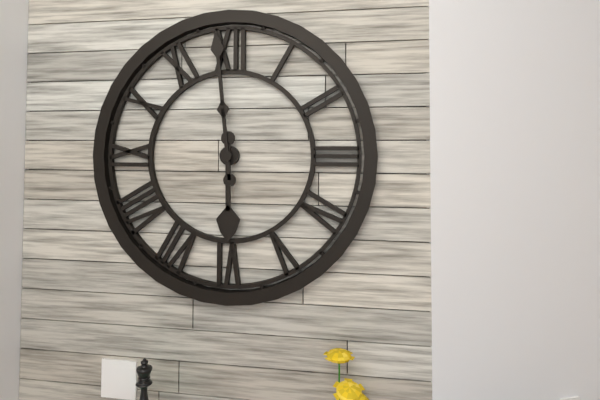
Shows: h=5 m=59
